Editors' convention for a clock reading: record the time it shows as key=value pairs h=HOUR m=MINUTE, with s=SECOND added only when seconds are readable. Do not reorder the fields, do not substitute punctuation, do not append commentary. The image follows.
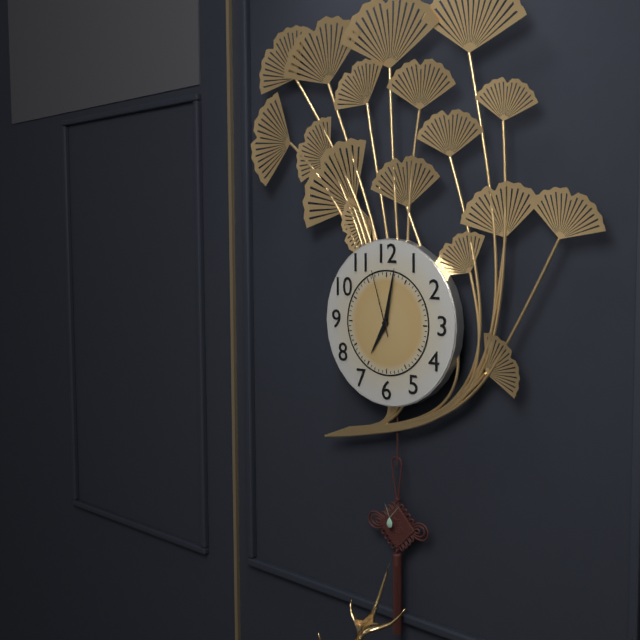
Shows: h=7 m=2 s=57
